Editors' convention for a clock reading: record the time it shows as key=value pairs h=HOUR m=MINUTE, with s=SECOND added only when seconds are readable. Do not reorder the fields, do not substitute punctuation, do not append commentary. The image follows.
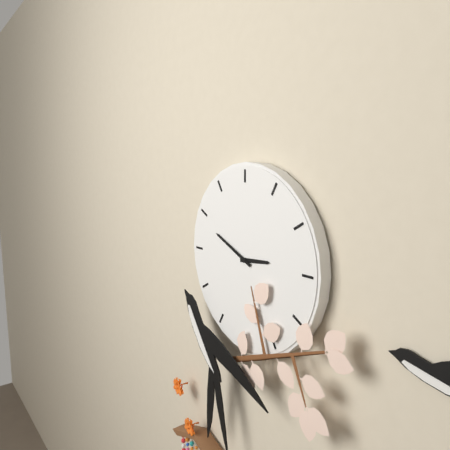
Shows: h=2 m=49
